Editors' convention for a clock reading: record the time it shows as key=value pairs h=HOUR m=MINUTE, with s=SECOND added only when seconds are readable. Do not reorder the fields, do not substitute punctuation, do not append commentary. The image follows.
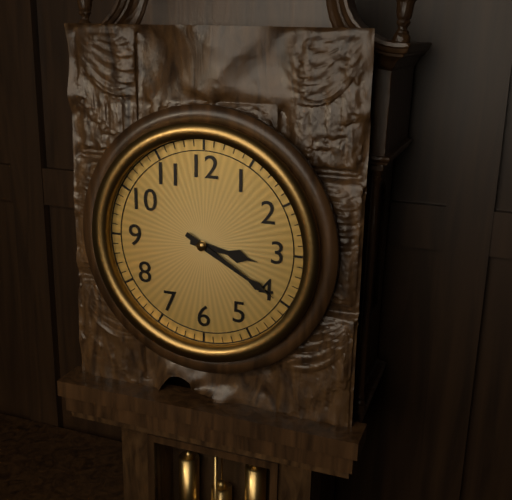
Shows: h=3 m=20
